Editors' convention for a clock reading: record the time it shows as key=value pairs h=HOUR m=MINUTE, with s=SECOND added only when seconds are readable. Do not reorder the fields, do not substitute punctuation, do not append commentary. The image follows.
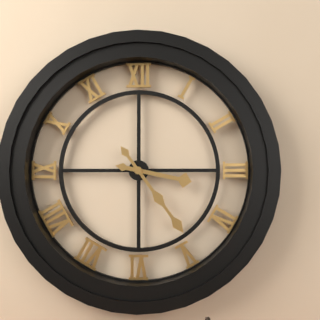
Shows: h=3 m=24
